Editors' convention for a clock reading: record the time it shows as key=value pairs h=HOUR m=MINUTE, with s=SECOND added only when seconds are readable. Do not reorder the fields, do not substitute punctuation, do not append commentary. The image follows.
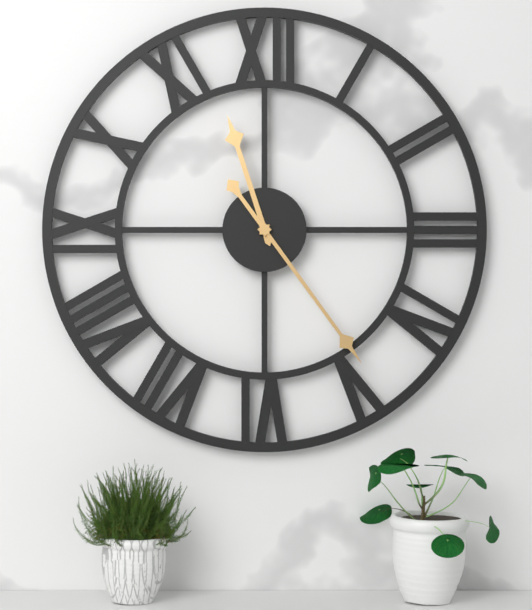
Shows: h=11 m=24
